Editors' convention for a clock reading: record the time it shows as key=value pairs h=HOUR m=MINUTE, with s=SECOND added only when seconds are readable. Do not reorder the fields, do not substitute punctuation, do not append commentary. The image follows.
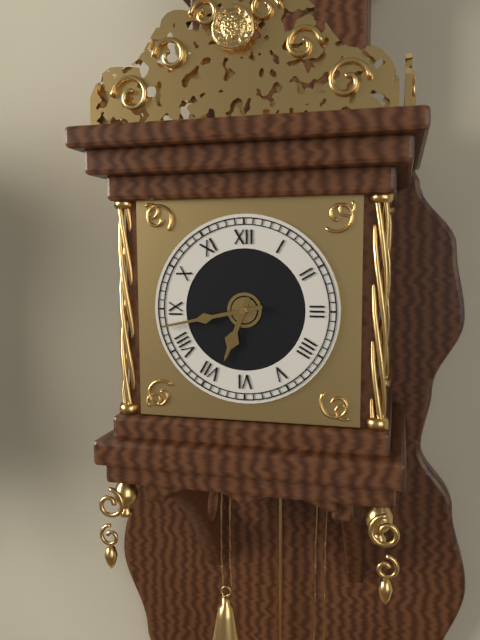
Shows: h=6 m=43
